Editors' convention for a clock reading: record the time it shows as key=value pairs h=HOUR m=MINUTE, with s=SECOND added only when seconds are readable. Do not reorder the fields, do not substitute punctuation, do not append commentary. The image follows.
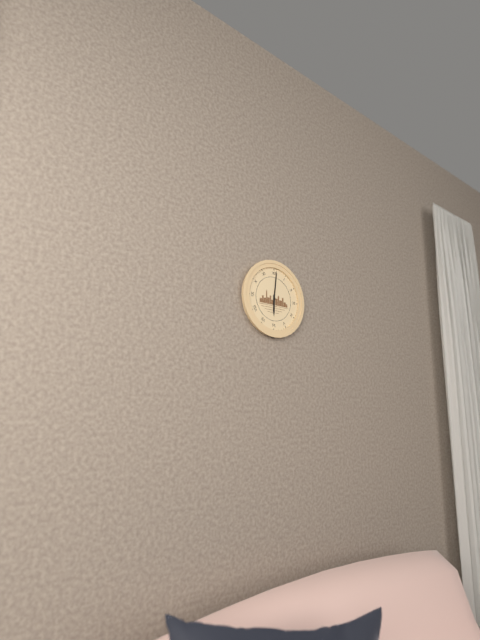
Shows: h=6 m=1
